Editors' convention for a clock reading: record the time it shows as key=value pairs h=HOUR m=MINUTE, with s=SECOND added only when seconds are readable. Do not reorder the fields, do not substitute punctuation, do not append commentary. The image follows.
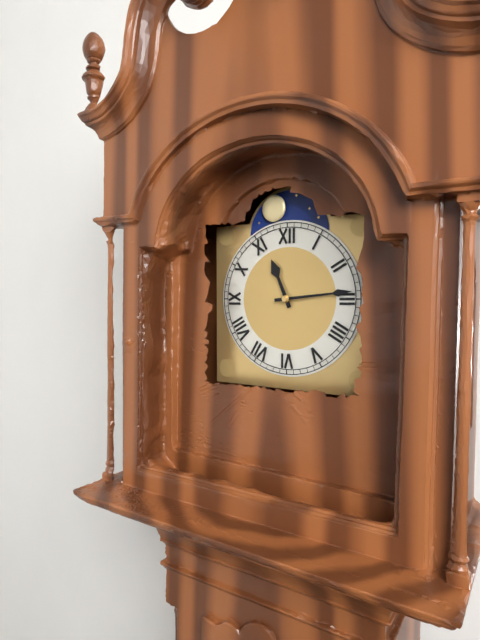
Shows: h=11 m=14
